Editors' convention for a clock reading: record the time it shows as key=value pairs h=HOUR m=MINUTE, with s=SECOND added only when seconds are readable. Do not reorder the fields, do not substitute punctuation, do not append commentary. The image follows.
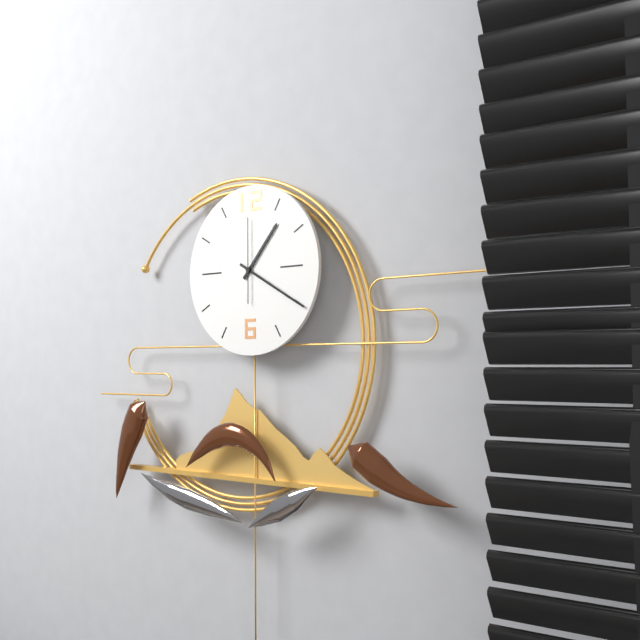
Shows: h=1 m=20 s=0
